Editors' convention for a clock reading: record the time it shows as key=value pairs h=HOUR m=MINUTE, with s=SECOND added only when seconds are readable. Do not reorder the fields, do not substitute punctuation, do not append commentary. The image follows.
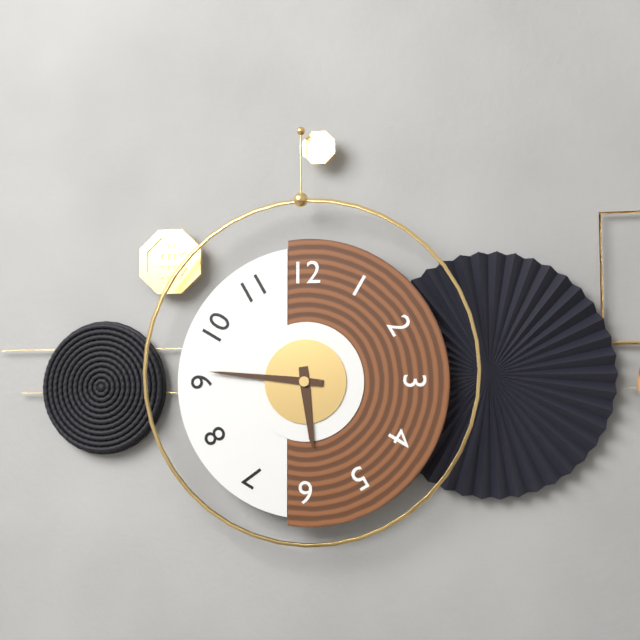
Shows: h=5 m=46
